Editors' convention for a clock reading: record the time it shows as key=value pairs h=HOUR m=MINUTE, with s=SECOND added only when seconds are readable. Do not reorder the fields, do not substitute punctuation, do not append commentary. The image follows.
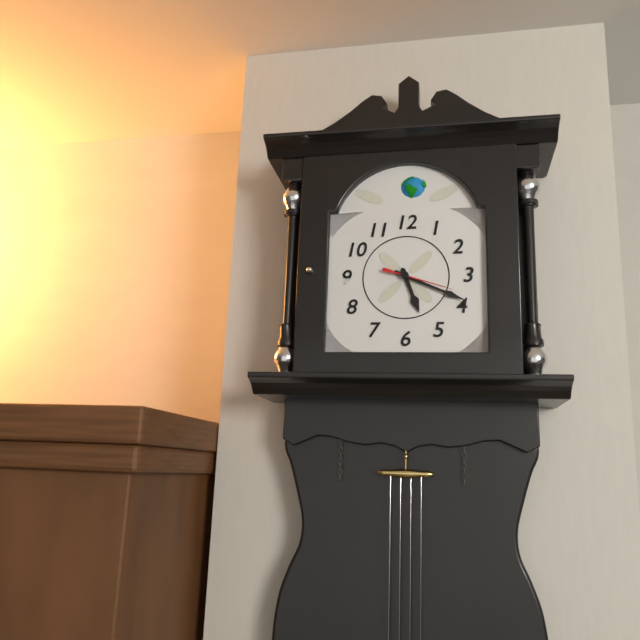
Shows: h=5 m=19 s=18
